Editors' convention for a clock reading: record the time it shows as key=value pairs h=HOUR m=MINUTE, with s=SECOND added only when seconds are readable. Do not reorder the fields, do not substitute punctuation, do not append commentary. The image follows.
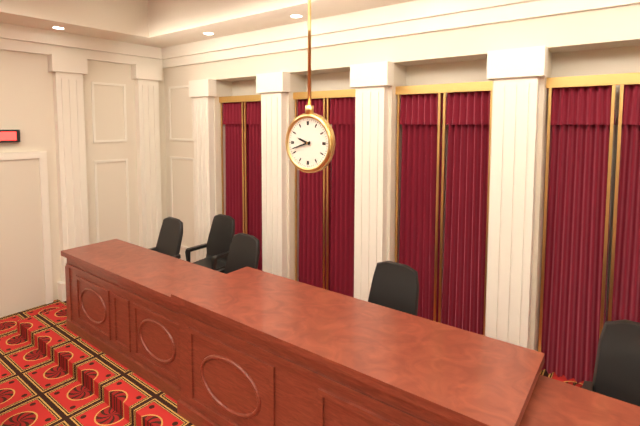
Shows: h=9 m=42
